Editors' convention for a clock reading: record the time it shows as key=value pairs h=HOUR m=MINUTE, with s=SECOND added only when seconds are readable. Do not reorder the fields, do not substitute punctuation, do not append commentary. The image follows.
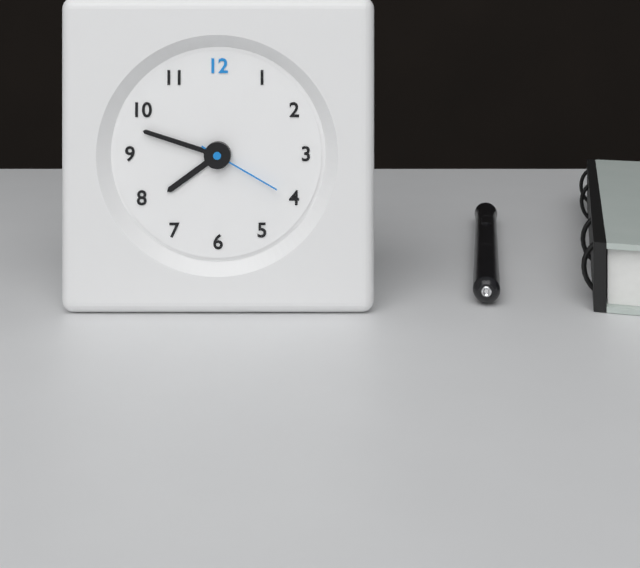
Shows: h=7 m=48 s=20
